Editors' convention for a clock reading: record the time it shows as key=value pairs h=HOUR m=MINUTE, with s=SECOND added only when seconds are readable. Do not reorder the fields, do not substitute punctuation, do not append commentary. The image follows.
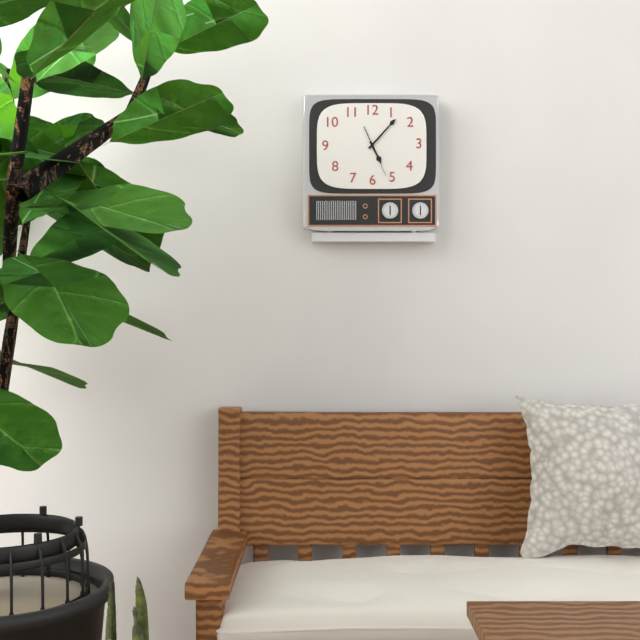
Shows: h=5 m=7
